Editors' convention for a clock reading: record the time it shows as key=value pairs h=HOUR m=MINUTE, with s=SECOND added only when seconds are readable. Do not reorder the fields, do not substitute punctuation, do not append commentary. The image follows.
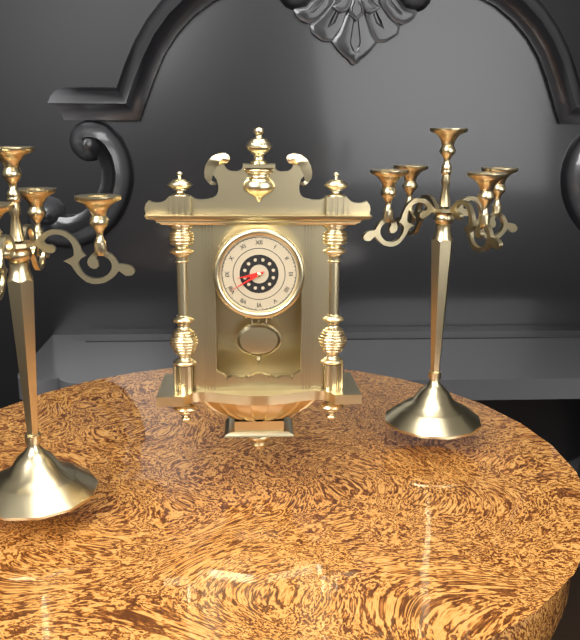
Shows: h=8 m=40
